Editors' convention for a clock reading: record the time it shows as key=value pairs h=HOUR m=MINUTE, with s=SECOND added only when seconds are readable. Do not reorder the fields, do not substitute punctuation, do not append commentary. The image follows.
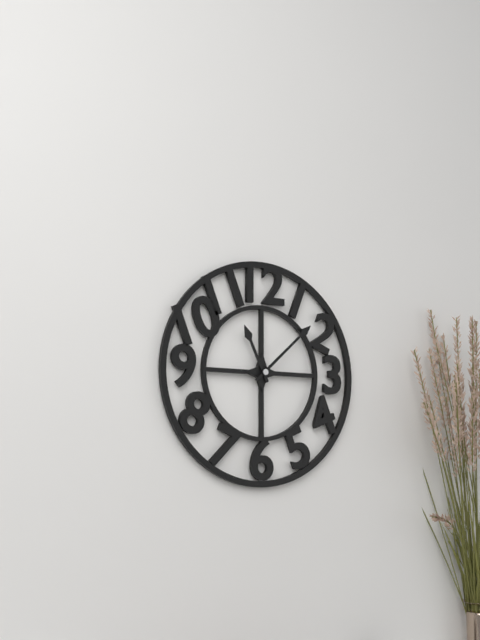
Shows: h=11 m=8
